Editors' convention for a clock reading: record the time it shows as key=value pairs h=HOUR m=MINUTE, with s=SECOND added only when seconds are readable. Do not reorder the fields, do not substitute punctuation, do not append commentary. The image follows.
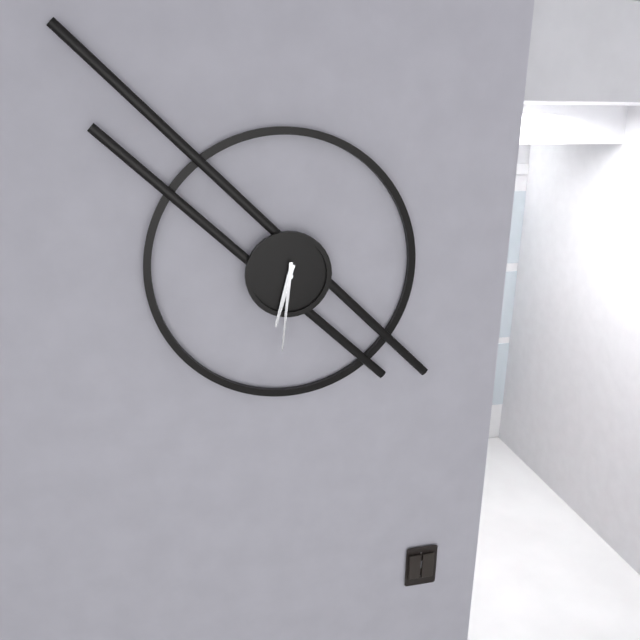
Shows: h=6 m=31
